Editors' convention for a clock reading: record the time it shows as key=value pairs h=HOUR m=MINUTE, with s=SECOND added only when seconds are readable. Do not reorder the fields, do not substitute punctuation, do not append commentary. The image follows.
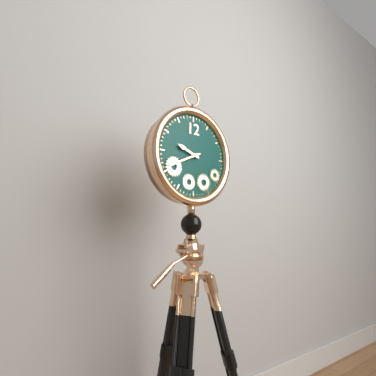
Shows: h=9 m=41
